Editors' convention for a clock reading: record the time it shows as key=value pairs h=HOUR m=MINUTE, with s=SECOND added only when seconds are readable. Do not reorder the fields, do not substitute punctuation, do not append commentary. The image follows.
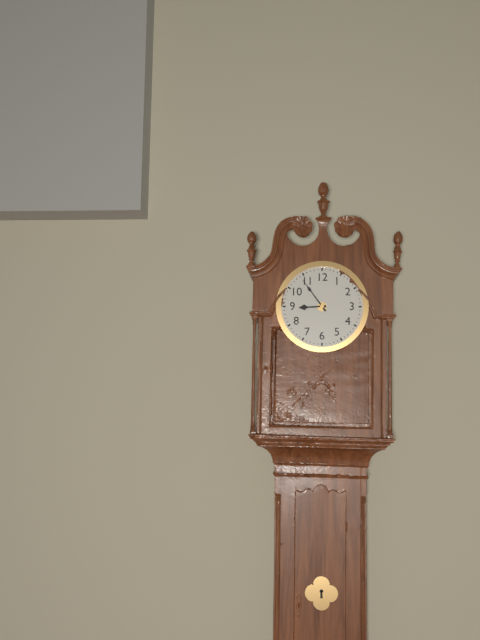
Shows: h=8 m=54
